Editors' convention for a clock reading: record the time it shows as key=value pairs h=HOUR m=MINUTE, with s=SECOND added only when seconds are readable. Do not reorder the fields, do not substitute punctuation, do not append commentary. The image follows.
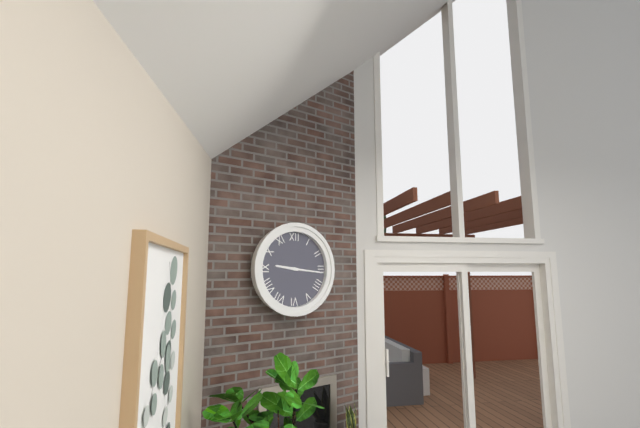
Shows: h=9 m=16
